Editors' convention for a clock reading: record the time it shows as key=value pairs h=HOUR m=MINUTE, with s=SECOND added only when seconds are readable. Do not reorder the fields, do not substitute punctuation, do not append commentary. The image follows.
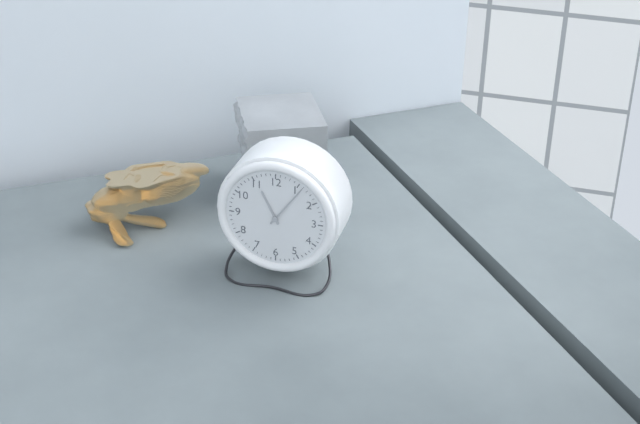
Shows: h=11 m=6
